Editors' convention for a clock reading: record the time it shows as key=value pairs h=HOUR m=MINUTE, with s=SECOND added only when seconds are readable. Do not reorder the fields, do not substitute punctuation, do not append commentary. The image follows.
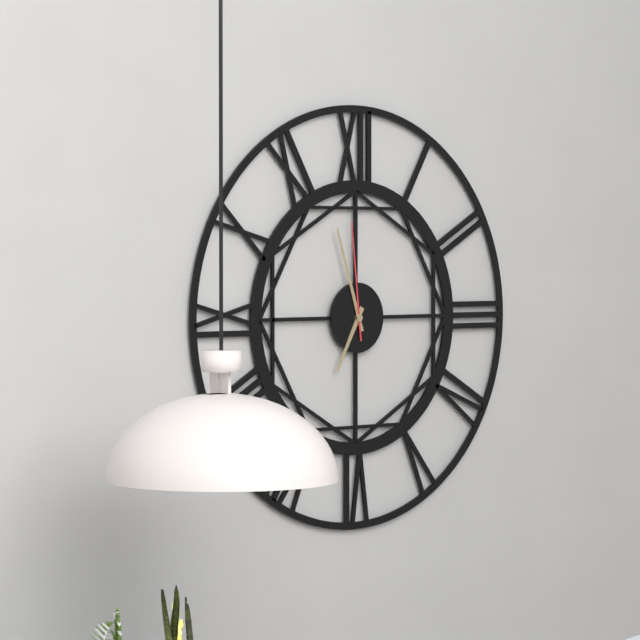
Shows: h=6 m=57 s=59
